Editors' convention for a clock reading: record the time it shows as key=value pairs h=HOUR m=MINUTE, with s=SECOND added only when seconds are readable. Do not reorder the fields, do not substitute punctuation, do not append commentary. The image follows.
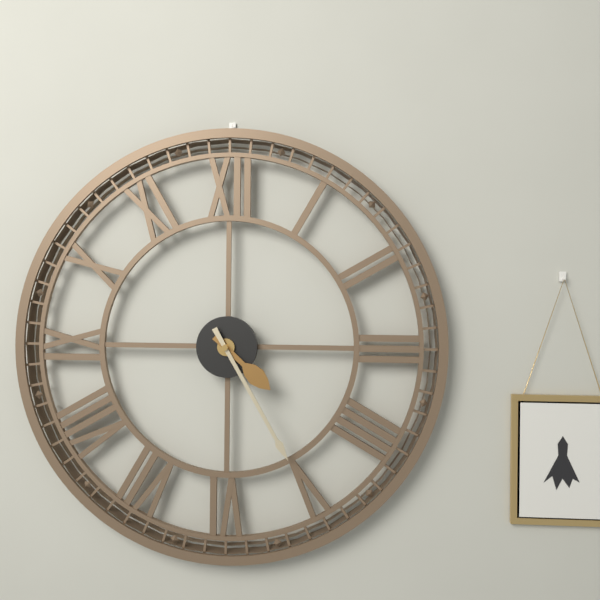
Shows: h=4 m=25
